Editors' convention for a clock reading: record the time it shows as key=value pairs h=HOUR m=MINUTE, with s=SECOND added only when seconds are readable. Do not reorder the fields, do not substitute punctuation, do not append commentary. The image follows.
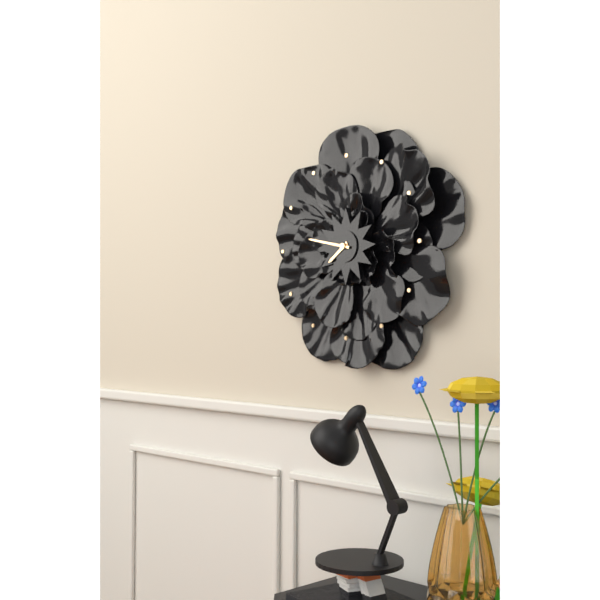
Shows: h=7 m=47
